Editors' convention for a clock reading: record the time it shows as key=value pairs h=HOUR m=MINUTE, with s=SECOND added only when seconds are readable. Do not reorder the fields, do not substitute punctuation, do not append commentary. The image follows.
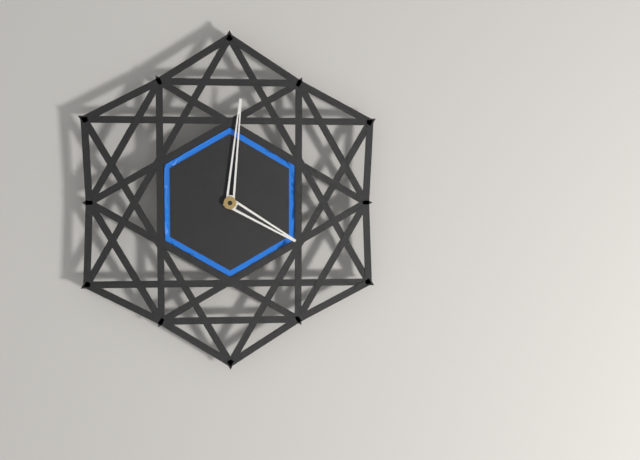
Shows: h=4 m=1
